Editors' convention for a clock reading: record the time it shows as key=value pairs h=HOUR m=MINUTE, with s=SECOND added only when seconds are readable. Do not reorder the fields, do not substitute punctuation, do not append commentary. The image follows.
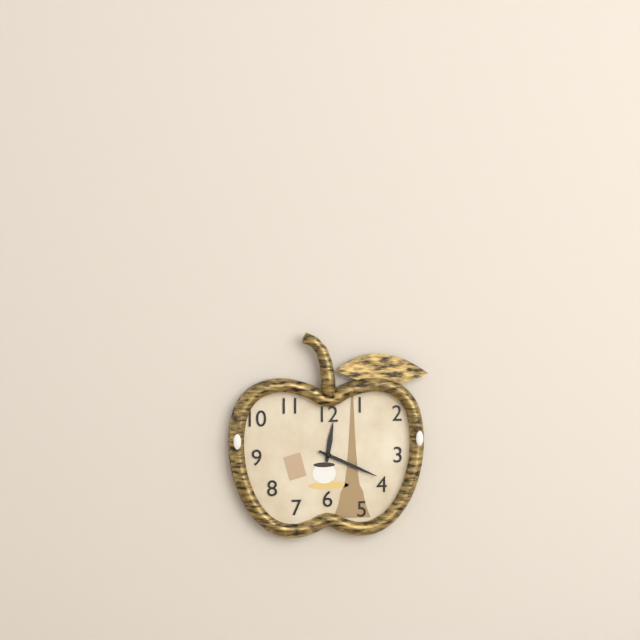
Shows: h=12 m=19
